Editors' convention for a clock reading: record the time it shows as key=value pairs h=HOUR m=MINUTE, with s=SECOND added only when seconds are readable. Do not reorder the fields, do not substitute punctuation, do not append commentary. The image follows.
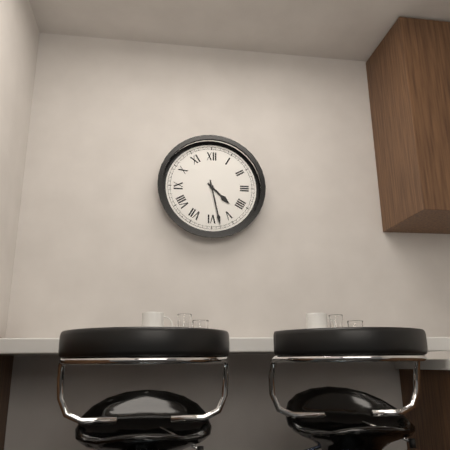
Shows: h=4 m=28
